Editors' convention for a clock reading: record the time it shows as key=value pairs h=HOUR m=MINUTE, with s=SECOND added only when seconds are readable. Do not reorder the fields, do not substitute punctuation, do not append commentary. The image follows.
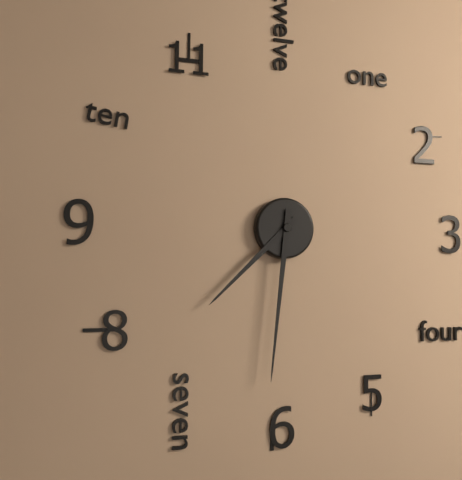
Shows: h=7 m=31
